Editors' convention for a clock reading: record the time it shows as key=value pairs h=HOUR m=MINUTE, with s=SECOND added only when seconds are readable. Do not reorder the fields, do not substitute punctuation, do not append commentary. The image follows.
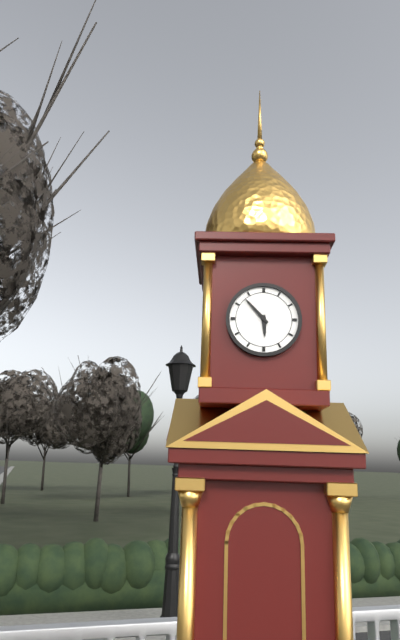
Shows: h=5 m=53
